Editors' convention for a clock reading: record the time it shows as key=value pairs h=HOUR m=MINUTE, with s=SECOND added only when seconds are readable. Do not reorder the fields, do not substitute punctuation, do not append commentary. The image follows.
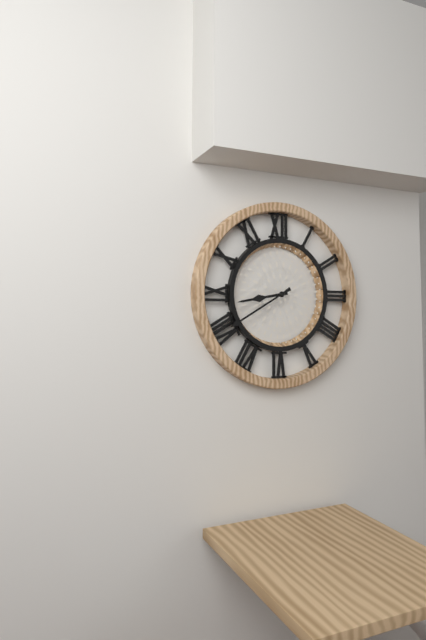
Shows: h=8 m=40
